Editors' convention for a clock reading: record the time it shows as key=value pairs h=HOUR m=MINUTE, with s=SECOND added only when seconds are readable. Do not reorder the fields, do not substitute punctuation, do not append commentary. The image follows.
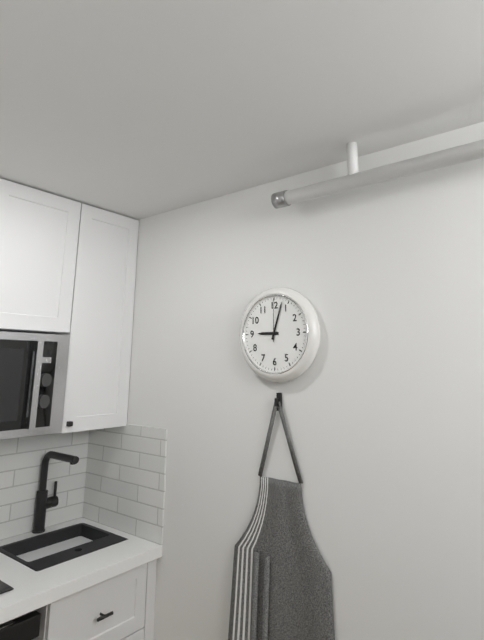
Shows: h=9 m=3
